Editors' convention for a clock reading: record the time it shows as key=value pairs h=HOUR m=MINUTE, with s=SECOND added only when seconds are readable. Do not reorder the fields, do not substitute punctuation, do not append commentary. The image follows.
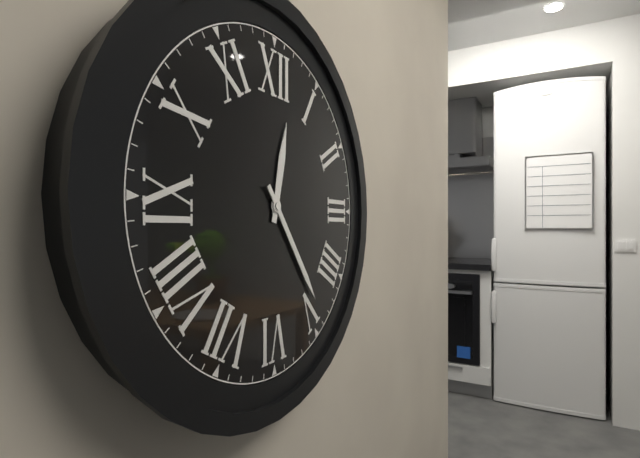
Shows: h=12 m=24
